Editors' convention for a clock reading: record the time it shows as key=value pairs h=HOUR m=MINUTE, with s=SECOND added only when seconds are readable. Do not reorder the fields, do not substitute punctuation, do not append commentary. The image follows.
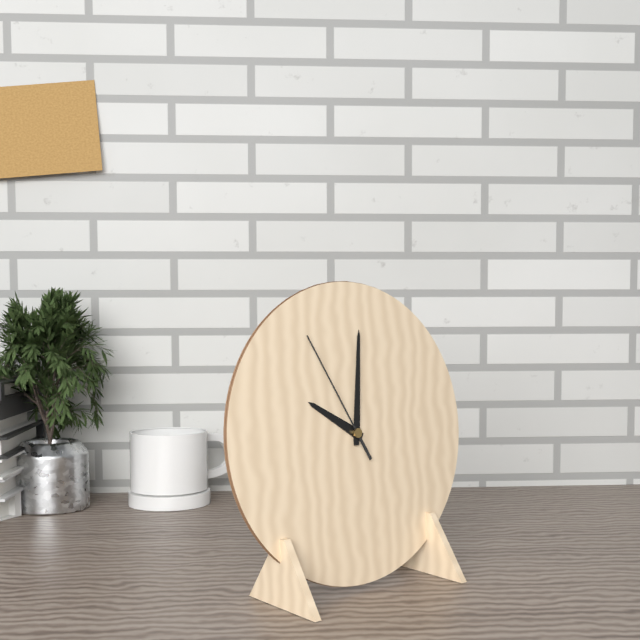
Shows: h=10 m=1 s=55
